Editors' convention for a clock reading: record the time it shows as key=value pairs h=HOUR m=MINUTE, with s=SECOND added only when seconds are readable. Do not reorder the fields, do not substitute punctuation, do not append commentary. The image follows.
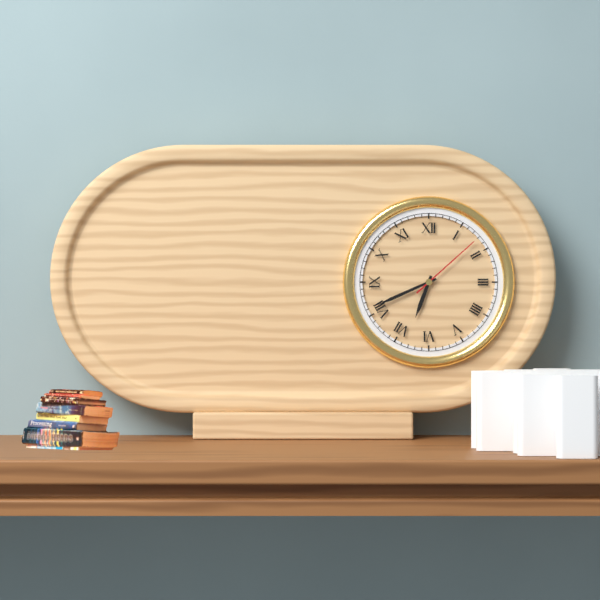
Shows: h=6 m=41 s=8
